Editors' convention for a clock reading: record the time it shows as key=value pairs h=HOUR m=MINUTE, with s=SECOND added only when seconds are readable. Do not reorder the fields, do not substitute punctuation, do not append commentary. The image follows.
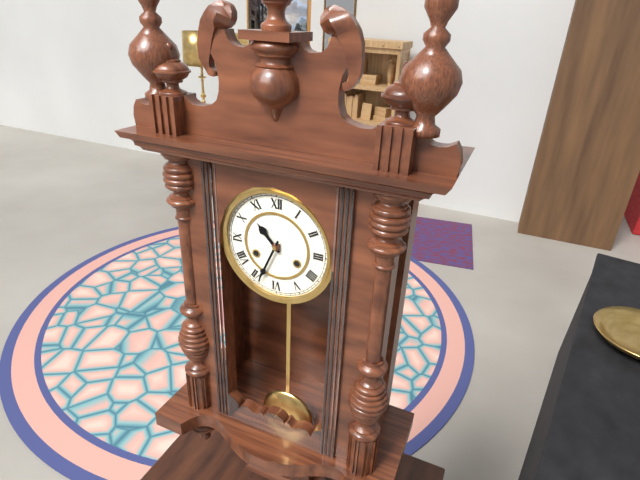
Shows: h=10 m=34
